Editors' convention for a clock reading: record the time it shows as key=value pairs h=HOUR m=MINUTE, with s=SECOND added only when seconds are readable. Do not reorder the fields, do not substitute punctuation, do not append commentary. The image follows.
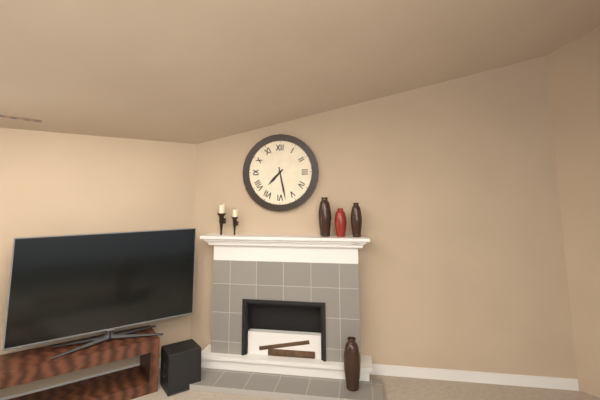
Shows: h=7 m=28
